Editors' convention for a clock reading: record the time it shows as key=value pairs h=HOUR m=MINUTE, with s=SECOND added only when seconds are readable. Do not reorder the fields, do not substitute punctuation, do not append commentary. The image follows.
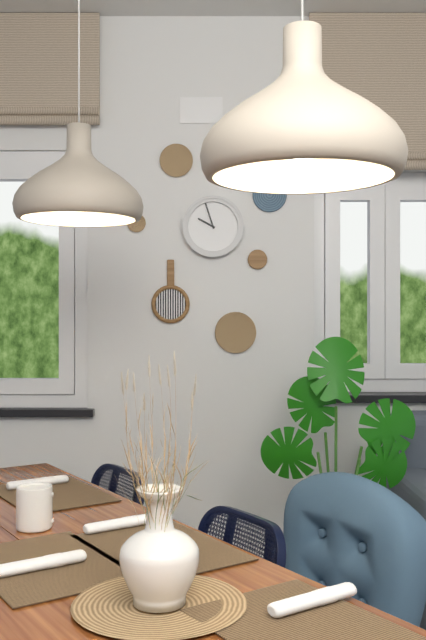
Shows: h=9 m=57
